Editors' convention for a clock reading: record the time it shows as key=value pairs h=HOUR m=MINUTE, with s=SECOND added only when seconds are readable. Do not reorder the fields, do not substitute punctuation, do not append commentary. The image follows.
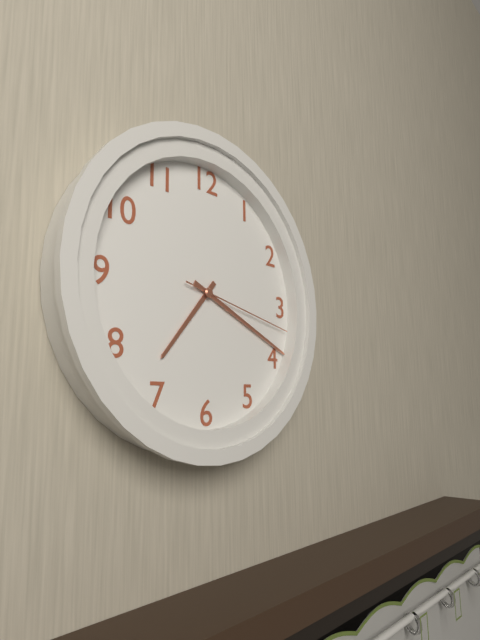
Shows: h=7 m=19 s=17
